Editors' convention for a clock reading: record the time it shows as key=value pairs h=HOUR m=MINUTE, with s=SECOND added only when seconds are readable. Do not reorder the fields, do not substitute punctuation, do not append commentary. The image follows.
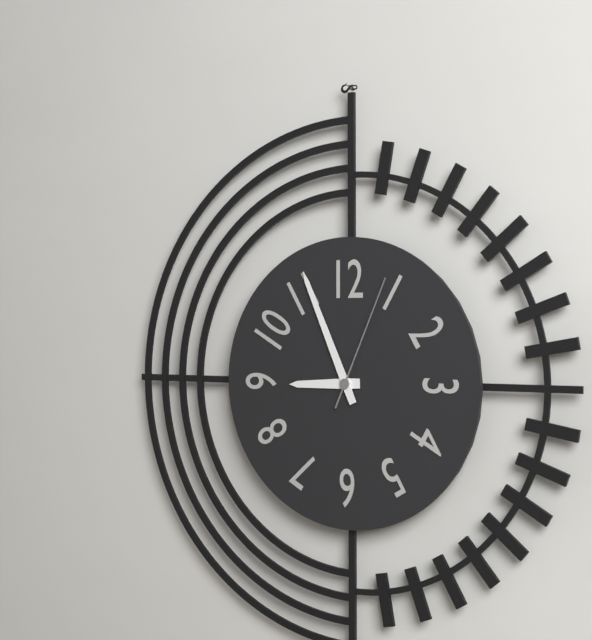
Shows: h=8 m=56 s=4
